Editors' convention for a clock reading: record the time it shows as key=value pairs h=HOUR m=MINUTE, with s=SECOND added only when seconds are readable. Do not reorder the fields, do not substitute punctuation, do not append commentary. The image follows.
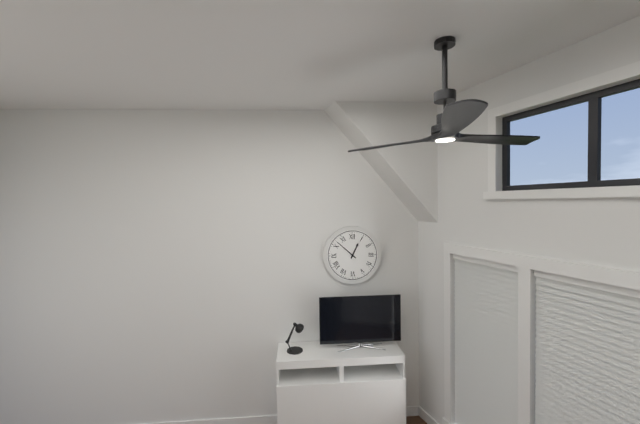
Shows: h=12 m=52
